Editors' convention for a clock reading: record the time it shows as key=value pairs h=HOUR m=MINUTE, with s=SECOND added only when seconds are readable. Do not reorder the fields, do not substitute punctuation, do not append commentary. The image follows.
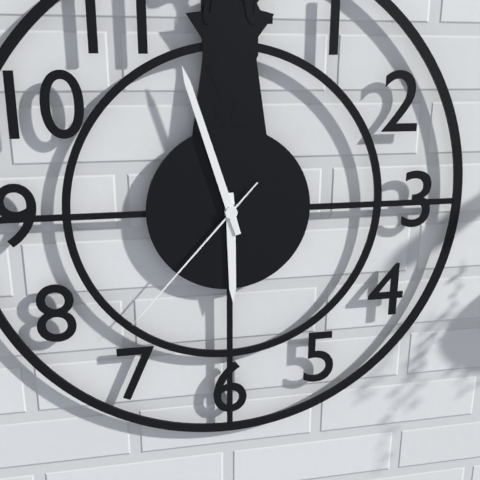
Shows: h=5 m=57 s=37
